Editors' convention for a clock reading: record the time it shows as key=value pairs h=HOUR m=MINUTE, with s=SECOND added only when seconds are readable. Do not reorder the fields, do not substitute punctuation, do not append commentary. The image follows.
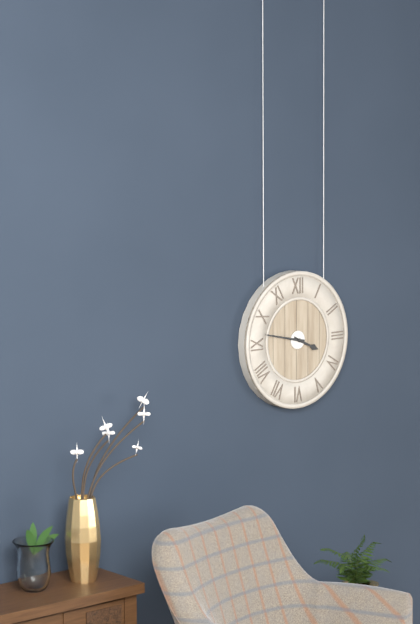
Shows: h=3 m=47
